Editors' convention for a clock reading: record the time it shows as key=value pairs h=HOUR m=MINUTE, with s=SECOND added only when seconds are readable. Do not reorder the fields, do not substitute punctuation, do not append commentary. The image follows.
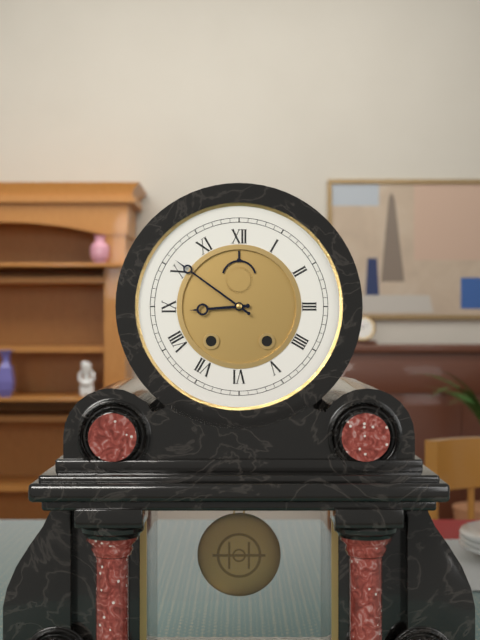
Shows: h=8 m=51
